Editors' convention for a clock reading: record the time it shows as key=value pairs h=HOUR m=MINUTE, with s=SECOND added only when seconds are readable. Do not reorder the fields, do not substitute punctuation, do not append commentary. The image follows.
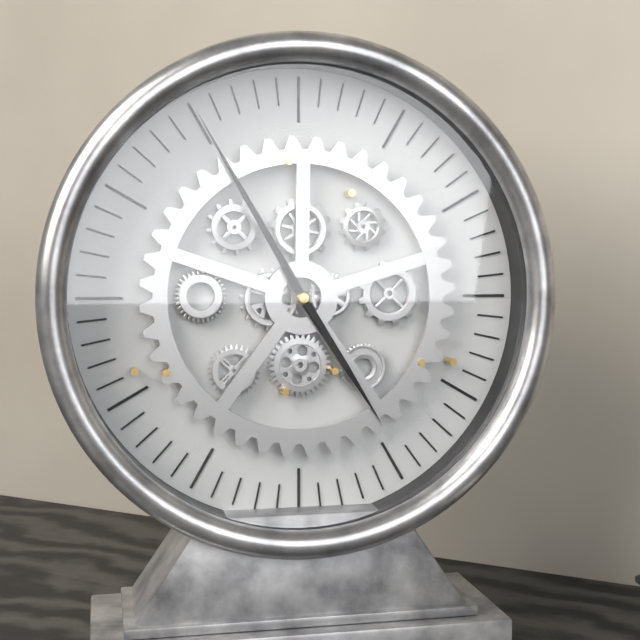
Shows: h=4 m=55
